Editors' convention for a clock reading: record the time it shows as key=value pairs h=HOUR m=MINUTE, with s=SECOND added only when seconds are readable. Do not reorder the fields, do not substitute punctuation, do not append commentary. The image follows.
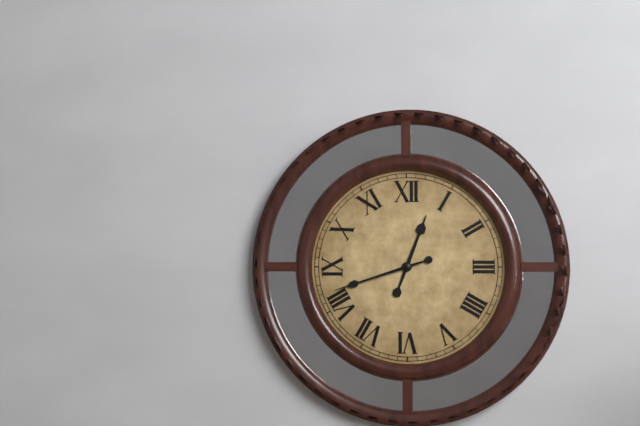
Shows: h=12 m=42
